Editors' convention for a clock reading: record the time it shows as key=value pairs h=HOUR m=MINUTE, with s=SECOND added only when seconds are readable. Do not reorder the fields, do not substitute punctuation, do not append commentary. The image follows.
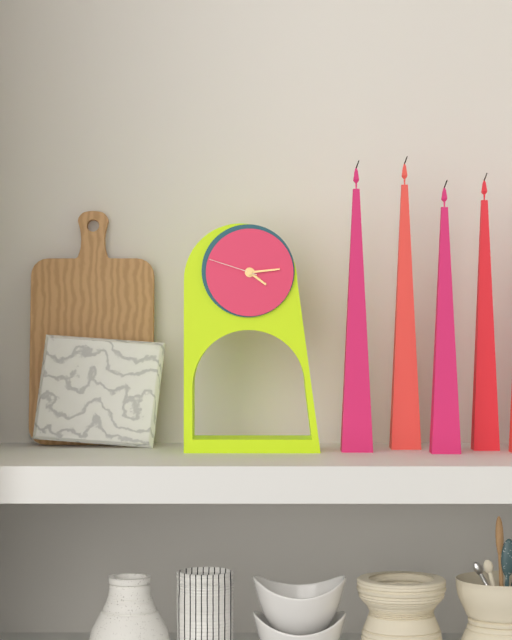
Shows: h=4 m=14 s=48
